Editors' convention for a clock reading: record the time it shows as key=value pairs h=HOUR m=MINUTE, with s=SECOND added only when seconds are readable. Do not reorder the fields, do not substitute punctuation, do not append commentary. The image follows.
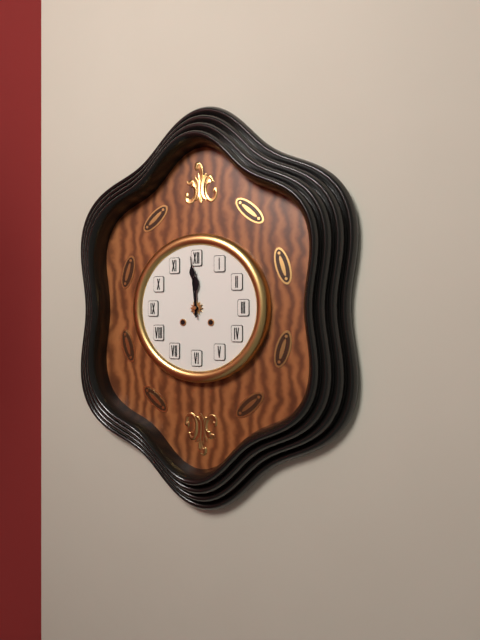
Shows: h=11 m=59
